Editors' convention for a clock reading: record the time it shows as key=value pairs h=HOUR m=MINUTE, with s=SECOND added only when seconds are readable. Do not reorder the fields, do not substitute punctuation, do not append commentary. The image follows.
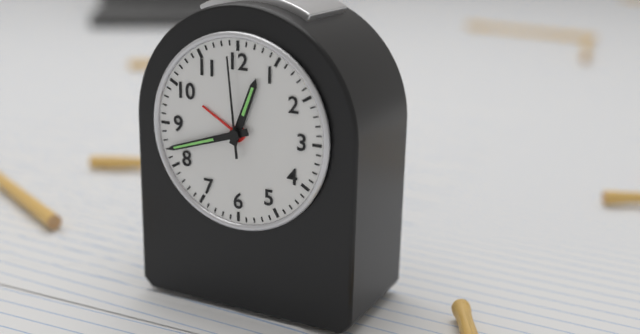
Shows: h=12 m=42 s=59
